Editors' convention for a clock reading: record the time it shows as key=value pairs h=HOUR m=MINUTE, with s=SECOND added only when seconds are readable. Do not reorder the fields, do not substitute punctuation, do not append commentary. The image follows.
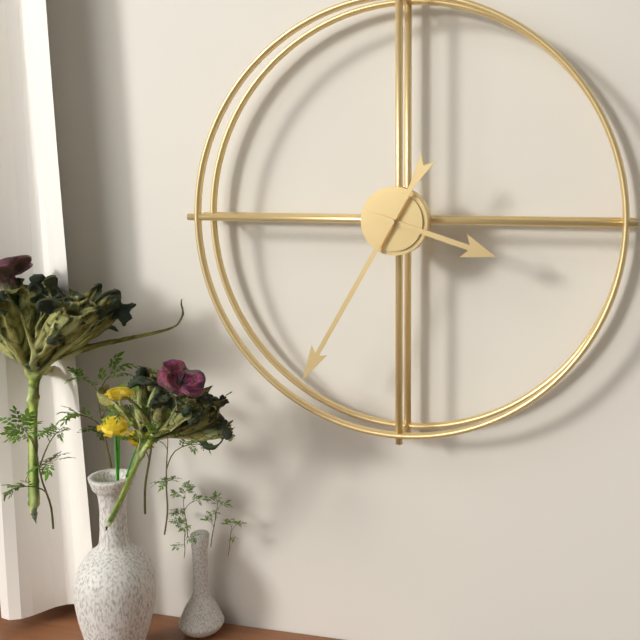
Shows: h=3 m=35
